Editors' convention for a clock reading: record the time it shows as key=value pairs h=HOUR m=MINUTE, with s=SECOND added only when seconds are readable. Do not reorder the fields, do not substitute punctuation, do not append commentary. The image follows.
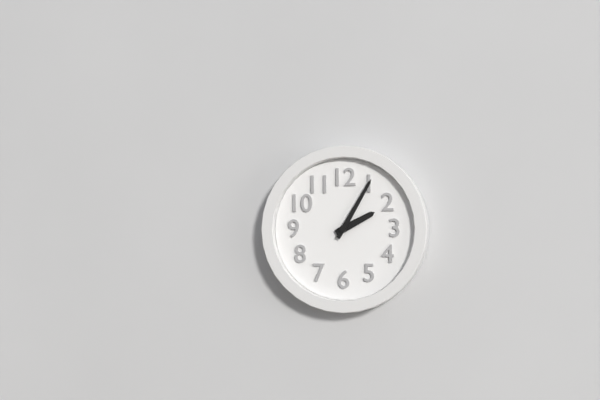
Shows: h=2 m=5
